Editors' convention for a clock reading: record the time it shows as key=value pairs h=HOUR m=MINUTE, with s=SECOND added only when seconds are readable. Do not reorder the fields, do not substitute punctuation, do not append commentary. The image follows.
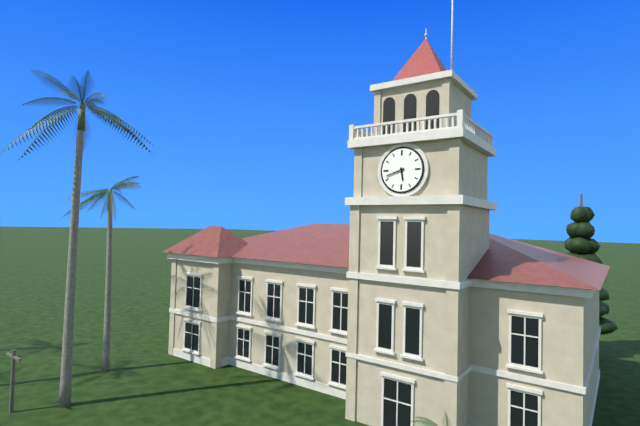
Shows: h=5 m=42
